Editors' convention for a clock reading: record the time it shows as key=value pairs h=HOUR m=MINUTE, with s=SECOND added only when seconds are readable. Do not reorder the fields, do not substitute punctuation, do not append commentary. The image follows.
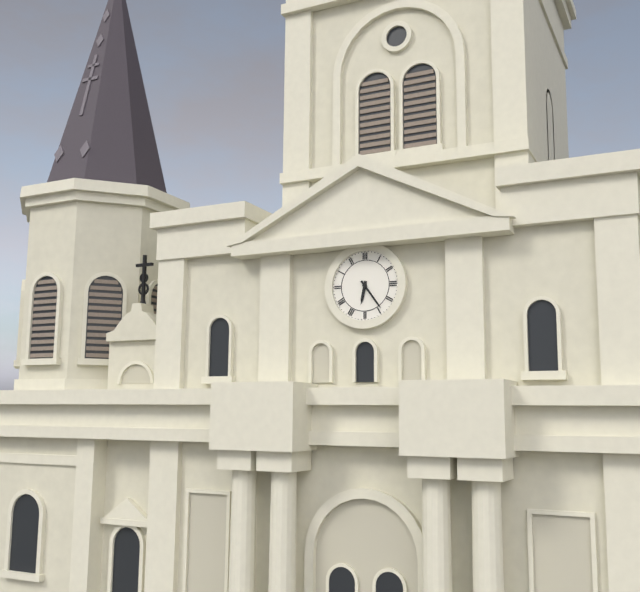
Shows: h=6 m=24
